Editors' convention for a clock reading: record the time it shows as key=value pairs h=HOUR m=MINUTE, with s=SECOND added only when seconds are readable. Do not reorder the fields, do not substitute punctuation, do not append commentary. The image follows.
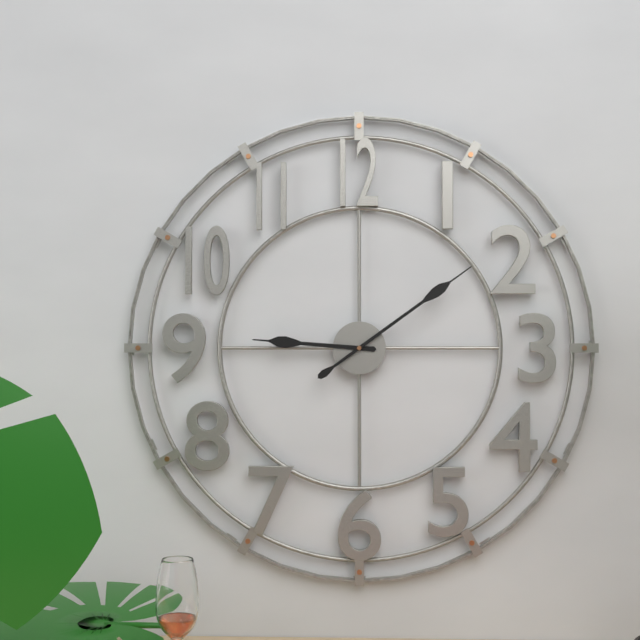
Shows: h=9 m=9
